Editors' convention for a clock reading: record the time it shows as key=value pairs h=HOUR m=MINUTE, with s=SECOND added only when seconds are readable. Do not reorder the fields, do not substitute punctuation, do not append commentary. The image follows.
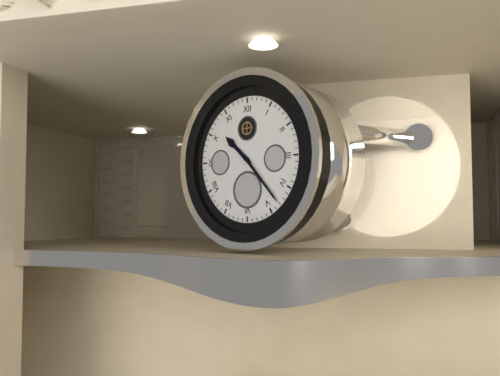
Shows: h=10 m=23
